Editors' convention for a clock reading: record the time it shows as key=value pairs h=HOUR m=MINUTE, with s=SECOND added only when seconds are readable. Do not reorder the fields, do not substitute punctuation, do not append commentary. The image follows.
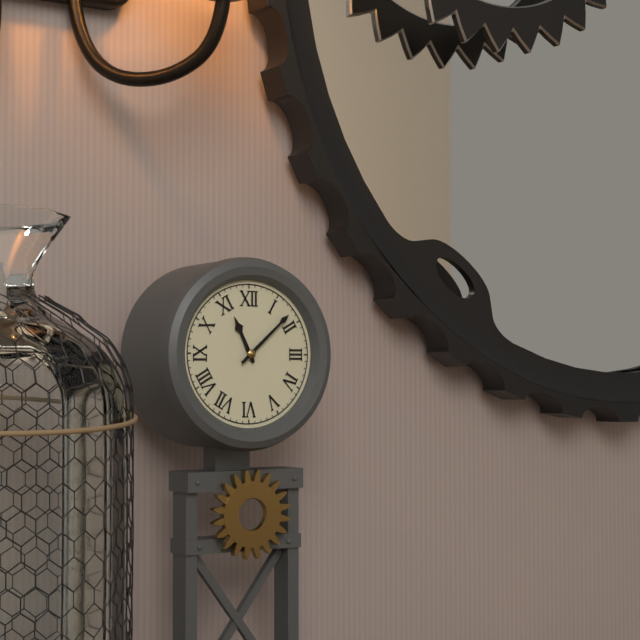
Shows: h=11 m=8
